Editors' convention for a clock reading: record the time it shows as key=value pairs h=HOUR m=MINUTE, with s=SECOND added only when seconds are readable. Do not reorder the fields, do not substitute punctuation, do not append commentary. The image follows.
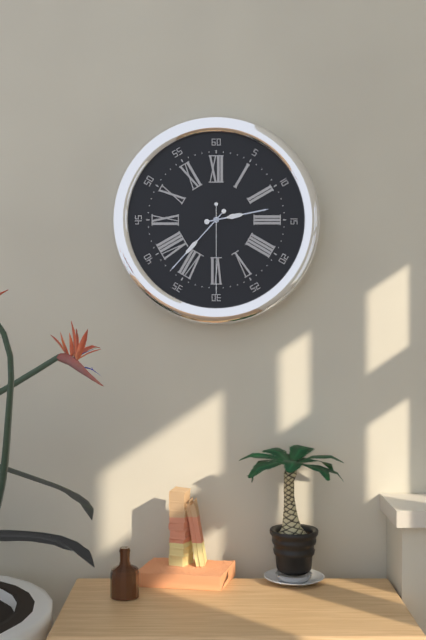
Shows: h=2 m=37 s=30
